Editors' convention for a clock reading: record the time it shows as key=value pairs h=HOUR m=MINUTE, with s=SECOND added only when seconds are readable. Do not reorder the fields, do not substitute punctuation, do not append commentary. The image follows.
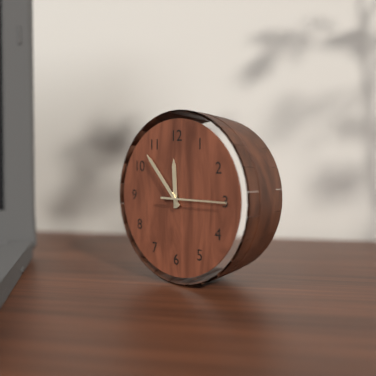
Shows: h=11 m=53 s=15
